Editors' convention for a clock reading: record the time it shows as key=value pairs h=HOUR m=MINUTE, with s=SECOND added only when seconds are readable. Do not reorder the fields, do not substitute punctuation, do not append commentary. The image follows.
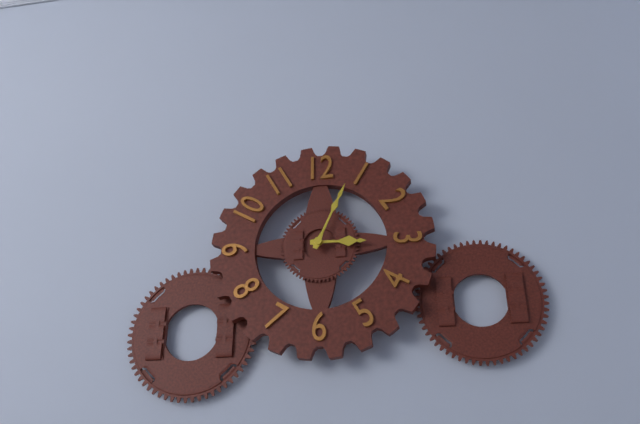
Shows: h=3 m=4
